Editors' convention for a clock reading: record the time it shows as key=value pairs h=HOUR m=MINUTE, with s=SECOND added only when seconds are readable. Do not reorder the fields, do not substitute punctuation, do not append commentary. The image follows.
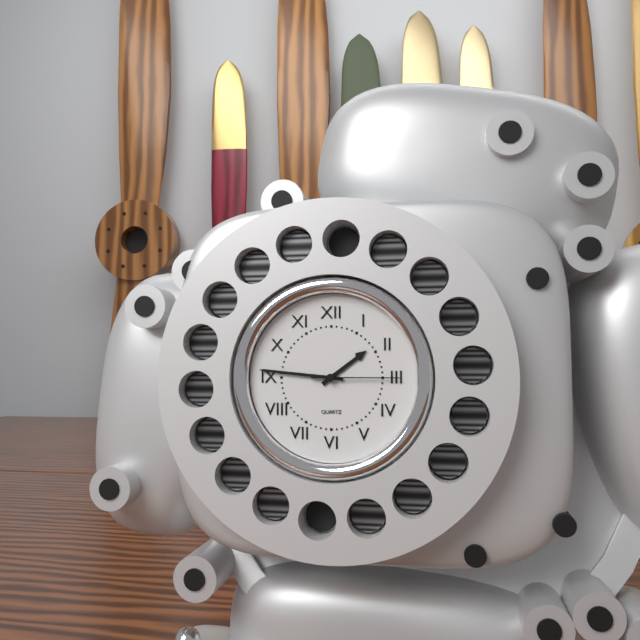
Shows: h=1 m=46 s=15
